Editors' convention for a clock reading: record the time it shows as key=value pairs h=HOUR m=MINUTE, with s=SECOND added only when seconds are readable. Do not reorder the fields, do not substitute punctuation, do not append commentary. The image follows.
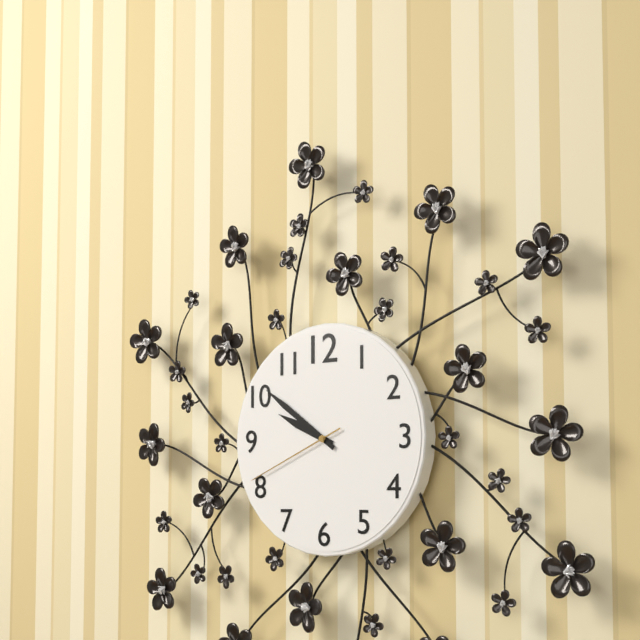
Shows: h=9 m=51 s=41
